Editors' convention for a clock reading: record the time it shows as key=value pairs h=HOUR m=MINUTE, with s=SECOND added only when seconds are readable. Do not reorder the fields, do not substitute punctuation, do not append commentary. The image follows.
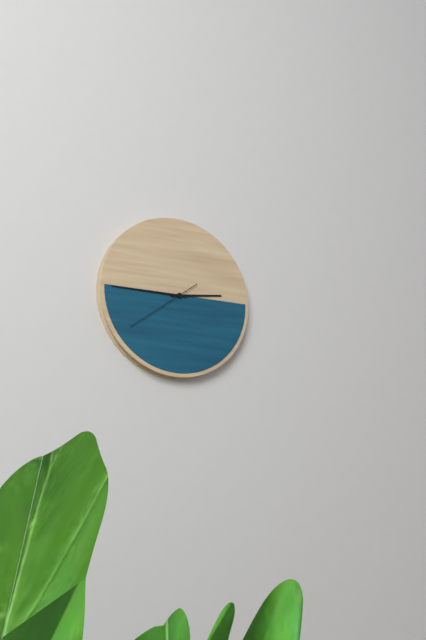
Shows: h=2 m=45 s=39
